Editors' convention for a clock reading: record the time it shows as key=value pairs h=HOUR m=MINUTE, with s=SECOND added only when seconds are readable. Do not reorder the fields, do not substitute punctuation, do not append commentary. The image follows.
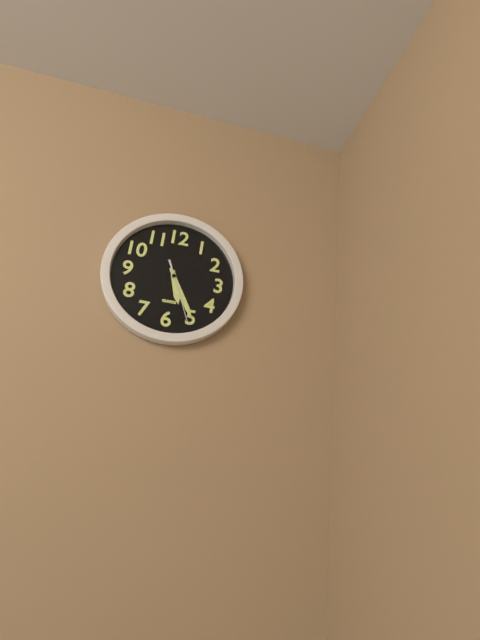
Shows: h=5 m=25 s=26
